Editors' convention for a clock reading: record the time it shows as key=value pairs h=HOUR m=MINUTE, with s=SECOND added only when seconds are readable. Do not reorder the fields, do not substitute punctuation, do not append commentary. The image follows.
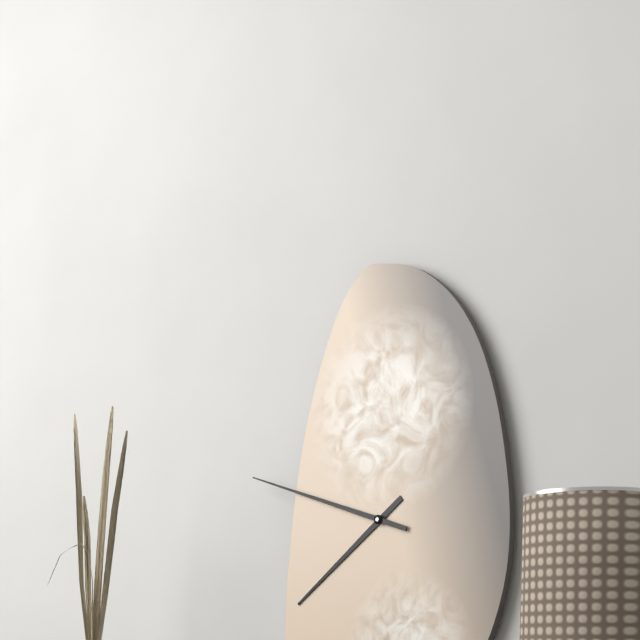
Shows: h=7 m=48
